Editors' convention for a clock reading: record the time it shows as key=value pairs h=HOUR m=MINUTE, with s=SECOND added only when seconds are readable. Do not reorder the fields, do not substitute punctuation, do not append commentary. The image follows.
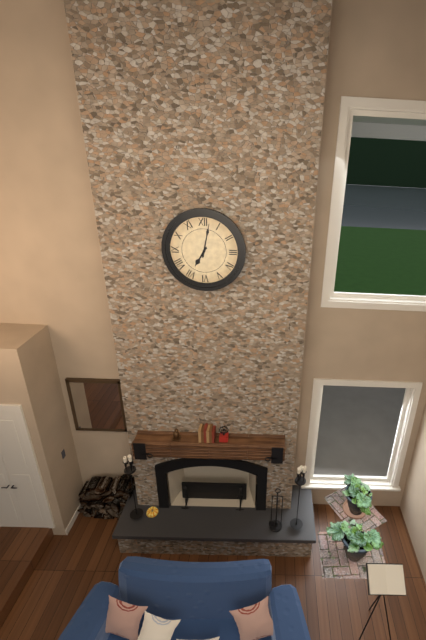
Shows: h=7 m=2
